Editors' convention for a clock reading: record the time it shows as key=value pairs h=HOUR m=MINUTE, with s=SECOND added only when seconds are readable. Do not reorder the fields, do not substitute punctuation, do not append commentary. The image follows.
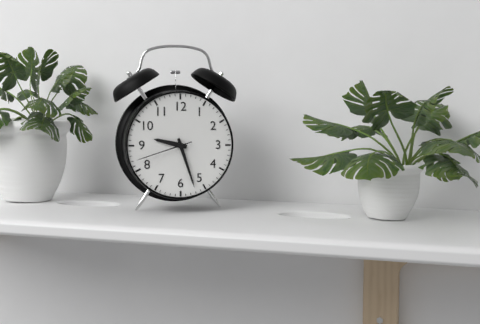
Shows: h=9 m=27 s=42
